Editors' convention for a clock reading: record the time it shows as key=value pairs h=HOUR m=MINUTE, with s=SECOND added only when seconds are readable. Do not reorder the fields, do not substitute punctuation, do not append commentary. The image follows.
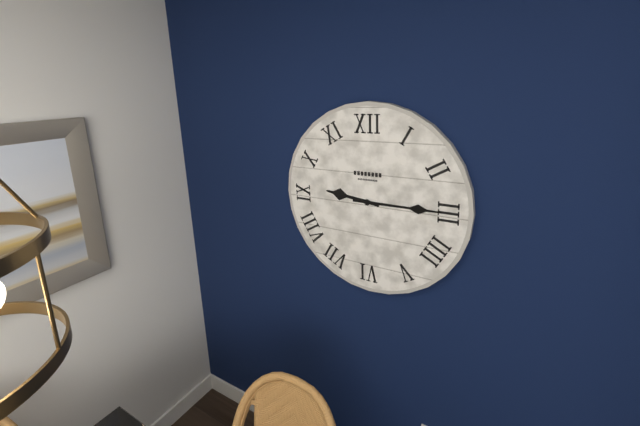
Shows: h=9 m=15
